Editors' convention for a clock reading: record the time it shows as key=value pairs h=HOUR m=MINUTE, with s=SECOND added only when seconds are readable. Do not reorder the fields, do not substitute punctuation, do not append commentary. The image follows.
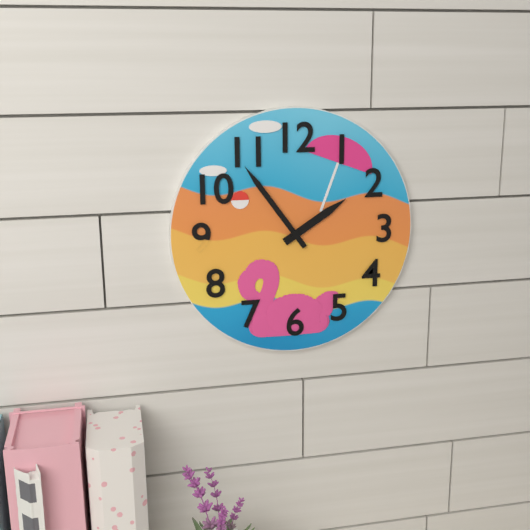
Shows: h=1 m=54
